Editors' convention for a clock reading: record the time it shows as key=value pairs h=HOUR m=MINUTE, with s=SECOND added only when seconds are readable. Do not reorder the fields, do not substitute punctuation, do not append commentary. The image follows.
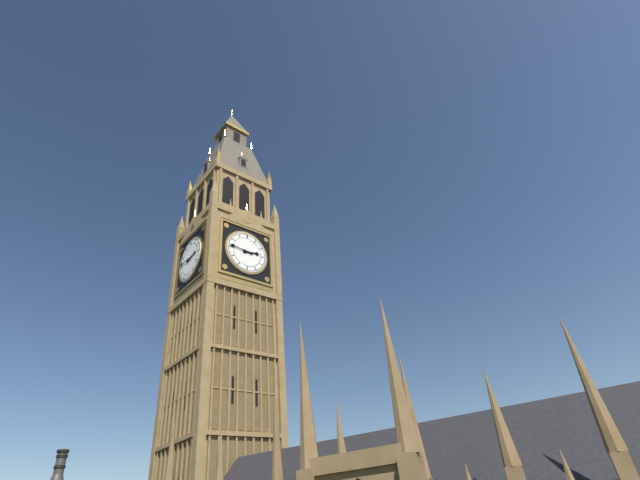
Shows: h=2 m=46
